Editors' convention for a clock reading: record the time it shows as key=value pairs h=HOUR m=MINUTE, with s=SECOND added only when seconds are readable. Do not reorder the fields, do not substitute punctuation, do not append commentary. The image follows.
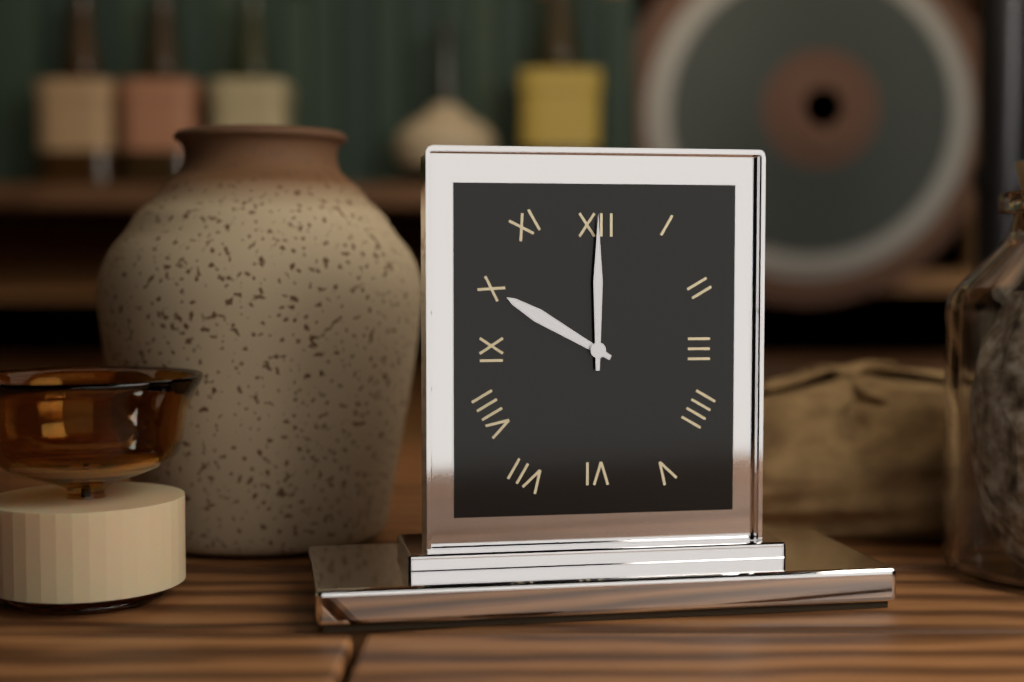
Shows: h=10 m=0
